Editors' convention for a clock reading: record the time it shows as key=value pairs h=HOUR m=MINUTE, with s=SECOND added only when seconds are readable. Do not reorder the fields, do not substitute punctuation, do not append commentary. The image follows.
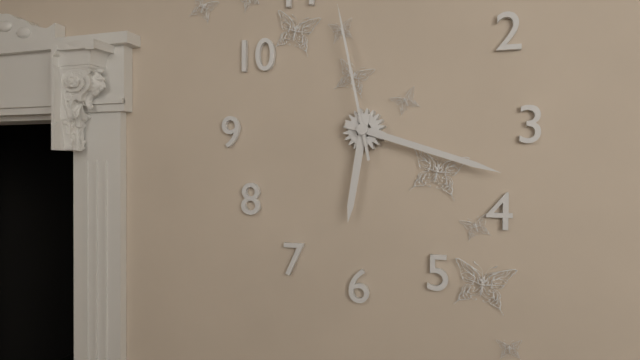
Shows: h=6 m=18 s=58
